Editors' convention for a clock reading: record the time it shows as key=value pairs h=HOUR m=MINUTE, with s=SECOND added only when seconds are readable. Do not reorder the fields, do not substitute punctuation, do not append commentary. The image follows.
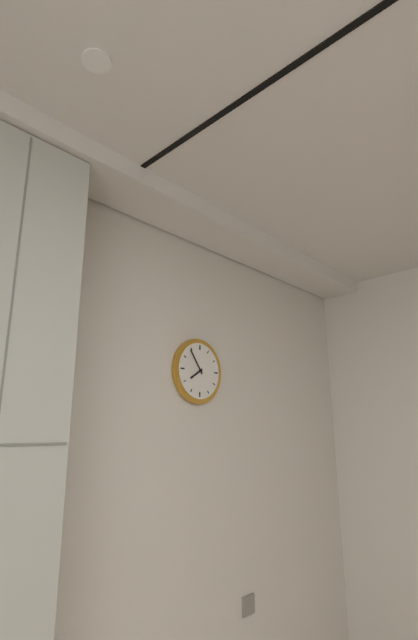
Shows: h=7 m=54
